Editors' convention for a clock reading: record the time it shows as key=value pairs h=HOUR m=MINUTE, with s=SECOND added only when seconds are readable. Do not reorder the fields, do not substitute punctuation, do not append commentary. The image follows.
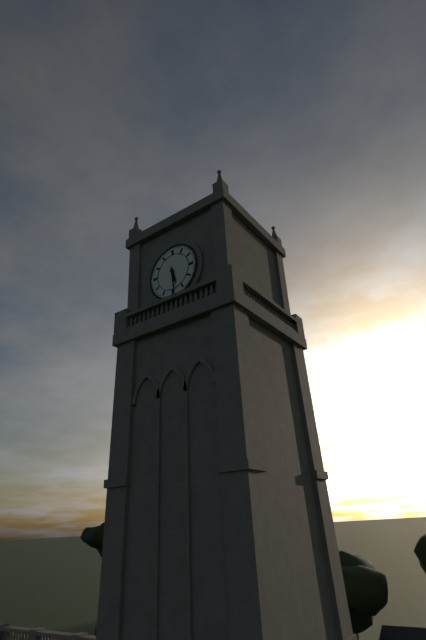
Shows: h=5 m=29
